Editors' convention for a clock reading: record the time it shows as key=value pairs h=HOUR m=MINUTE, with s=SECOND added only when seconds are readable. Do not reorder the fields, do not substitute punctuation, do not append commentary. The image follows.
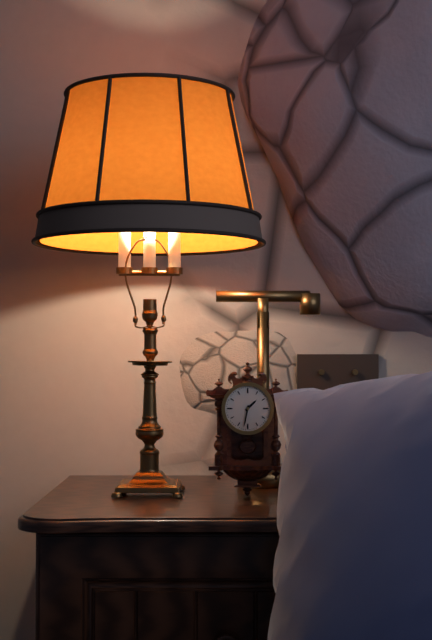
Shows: h=1 m=32
